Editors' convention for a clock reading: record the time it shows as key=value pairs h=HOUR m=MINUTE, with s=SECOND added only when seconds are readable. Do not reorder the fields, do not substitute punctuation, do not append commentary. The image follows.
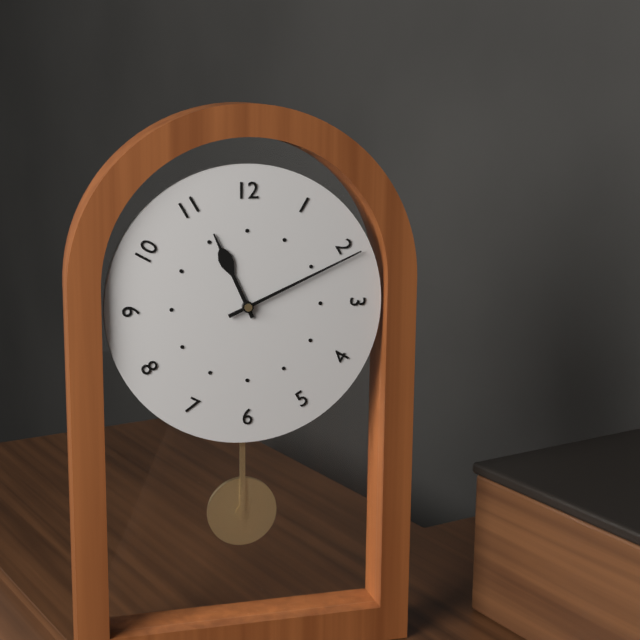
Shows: h=11 m=11
